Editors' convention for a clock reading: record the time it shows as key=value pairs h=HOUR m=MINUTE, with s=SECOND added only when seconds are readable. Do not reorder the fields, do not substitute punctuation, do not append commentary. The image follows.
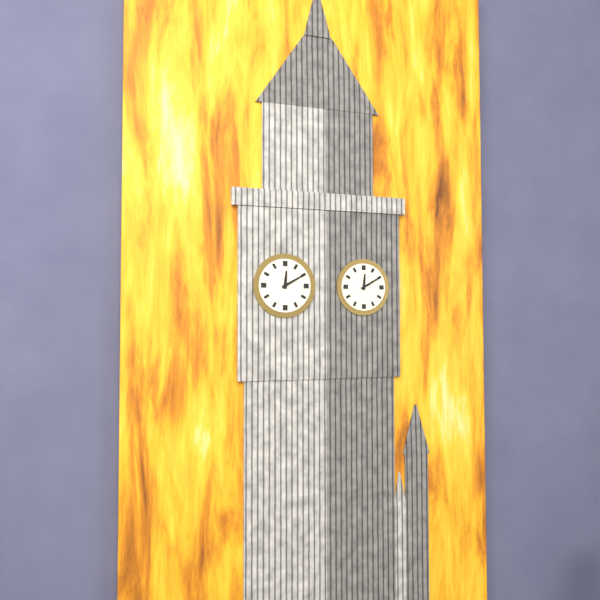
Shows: h=12 m=10
